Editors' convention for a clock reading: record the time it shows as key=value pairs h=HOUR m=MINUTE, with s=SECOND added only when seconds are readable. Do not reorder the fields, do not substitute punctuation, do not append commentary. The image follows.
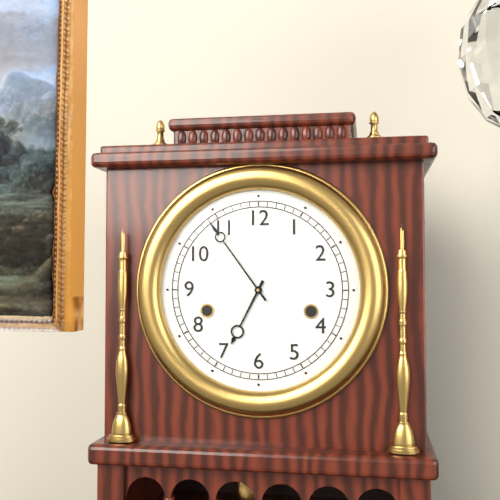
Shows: h=6 m=54
